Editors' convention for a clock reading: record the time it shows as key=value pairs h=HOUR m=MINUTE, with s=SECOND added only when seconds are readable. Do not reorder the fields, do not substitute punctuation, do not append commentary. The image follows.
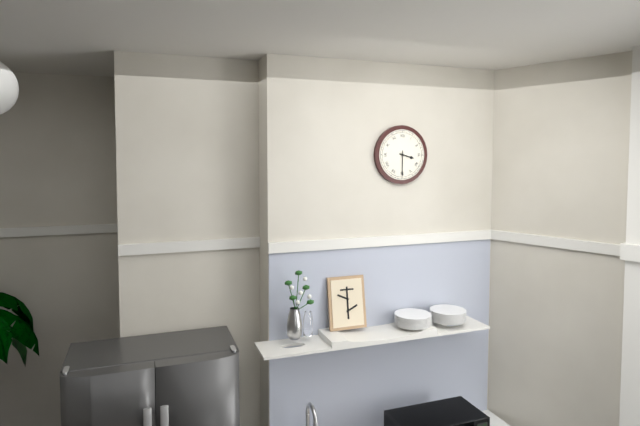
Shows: h=3 m=30
